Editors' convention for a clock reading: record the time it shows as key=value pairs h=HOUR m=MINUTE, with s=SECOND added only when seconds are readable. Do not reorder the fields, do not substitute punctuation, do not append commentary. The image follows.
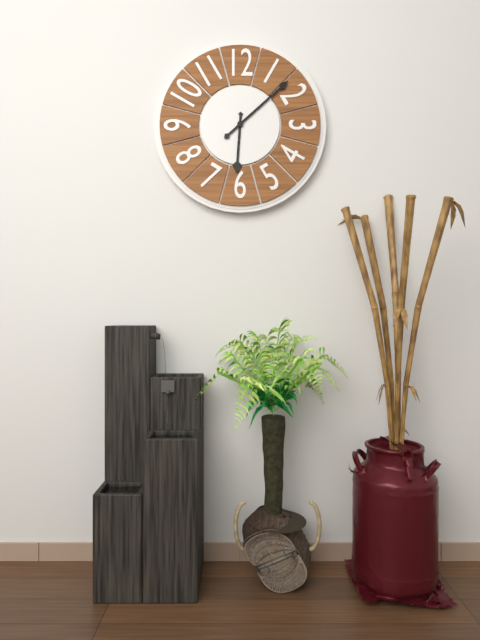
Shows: h=6 m=8
